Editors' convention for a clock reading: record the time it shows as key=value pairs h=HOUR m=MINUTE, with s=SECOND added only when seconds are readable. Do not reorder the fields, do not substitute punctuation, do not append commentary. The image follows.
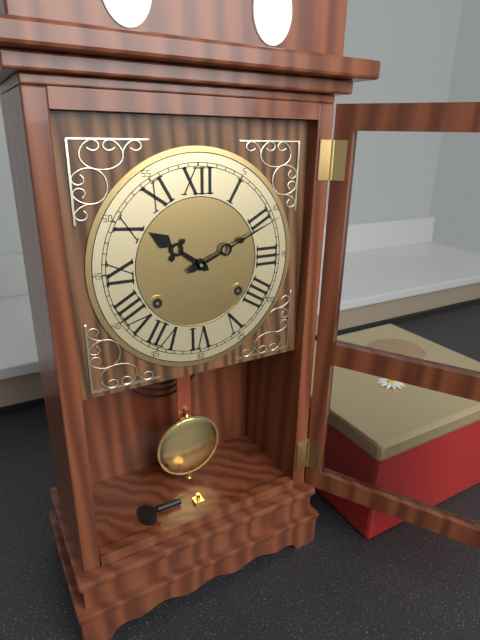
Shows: h=10 m=11
